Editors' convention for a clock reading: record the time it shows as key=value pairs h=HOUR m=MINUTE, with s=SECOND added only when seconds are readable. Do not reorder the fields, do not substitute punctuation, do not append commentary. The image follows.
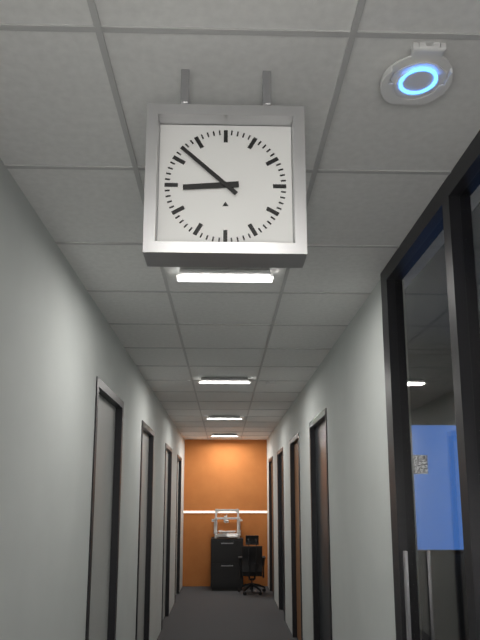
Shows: h=8 m=52
